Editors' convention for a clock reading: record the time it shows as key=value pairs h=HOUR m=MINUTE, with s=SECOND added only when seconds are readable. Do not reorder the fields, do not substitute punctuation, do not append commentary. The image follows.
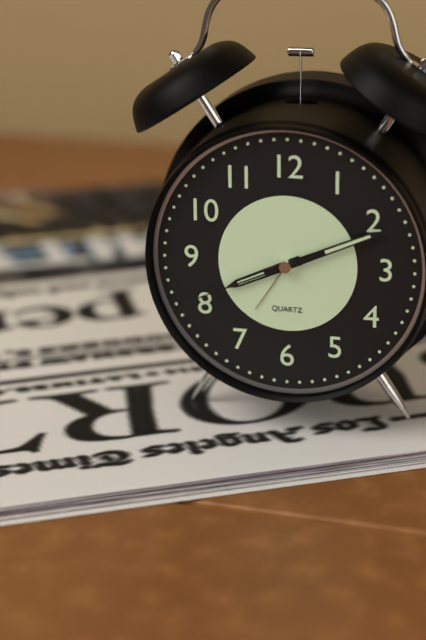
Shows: h=8 m=11 s=41
